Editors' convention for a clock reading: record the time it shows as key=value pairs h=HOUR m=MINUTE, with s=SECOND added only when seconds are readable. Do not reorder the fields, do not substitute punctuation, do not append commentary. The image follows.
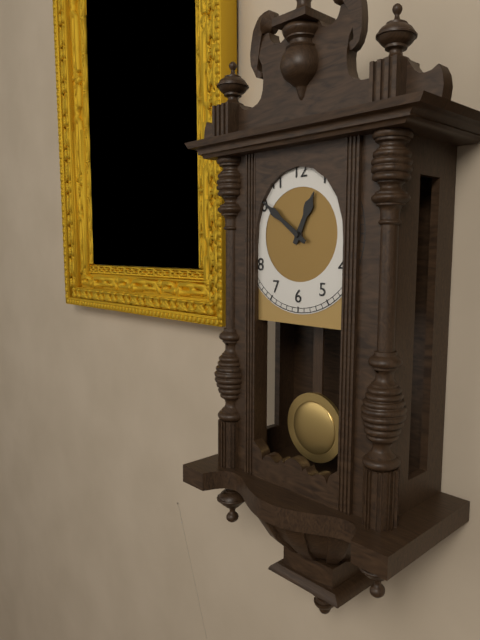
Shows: h=12 m=51
